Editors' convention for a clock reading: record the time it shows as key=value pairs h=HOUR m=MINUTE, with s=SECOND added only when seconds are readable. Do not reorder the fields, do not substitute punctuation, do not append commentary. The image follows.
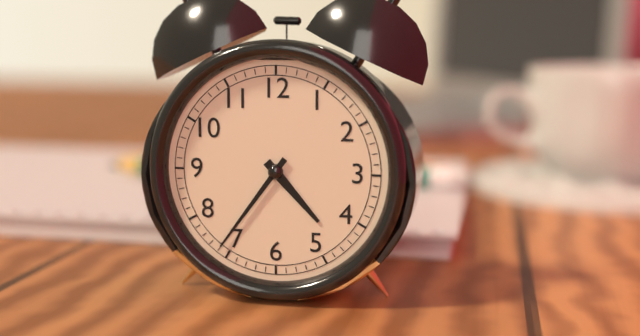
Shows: h=4 m=36
